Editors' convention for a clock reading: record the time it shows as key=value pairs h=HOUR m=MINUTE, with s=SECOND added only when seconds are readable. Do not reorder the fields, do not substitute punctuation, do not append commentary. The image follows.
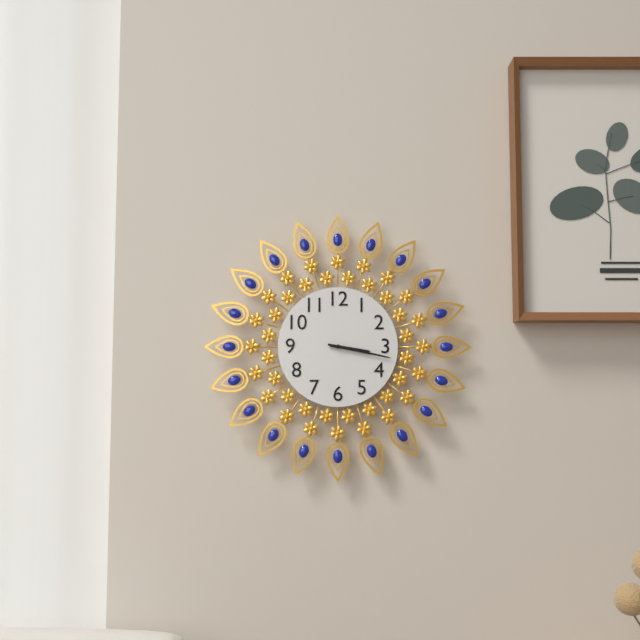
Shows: h=3 m=17
